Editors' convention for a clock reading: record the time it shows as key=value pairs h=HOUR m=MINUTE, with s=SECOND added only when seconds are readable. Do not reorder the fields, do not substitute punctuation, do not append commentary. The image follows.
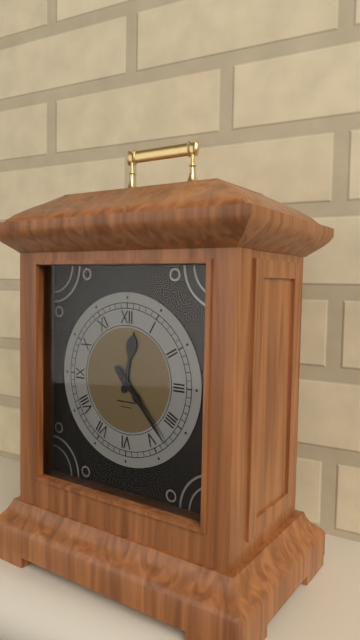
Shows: h=12 m=23
